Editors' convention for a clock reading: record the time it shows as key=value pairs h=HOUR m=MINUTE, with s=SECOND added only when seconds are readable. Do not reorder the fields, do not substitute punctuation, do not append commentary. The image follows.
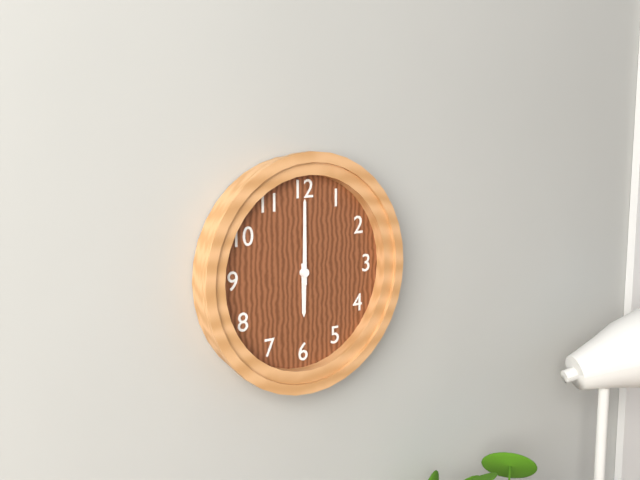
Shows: h=6 m=0
